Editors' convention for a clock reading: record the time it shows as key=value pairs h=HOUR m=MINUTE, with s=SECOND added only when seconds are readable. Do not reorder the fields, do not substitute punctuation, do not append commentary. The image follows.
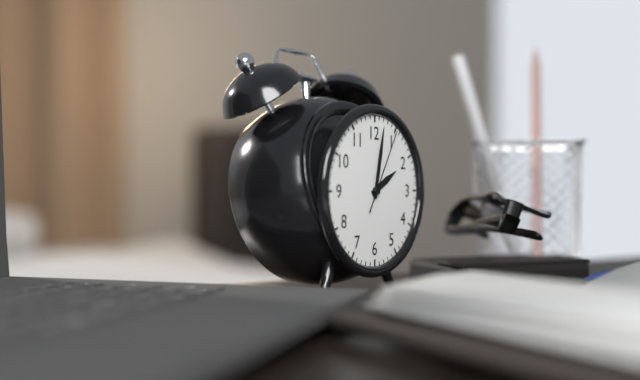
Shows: h=2 m=2 s=5
